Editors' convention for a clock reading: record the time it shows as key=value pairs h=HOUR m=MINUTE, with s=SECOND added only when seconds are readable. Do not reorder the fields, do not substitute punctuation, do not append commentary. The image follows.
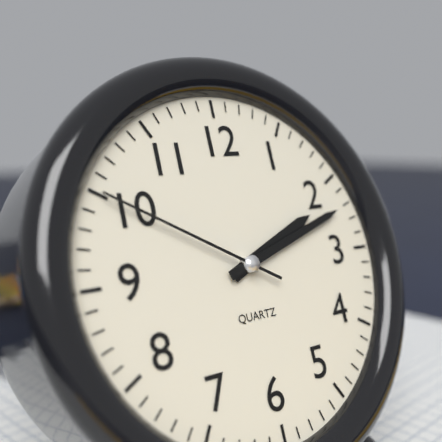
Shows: h=2 m=12 s=50
